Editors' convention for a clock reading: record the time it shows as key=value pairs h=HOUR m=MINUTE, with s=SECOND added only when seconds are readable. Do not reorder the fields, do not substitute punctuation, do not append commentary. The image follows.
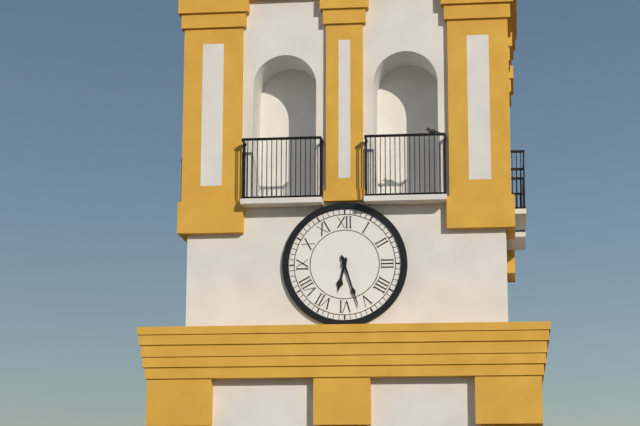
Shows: h=6 m=27
